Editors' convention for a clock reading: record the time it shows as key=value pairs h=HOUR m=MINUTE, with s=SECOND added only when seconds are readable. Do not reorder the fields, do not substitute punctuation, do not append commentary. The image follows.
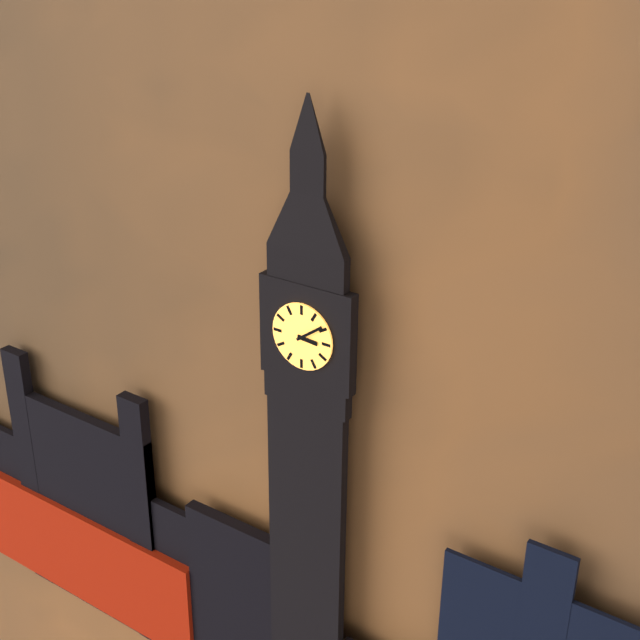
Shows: h=3 m=9
